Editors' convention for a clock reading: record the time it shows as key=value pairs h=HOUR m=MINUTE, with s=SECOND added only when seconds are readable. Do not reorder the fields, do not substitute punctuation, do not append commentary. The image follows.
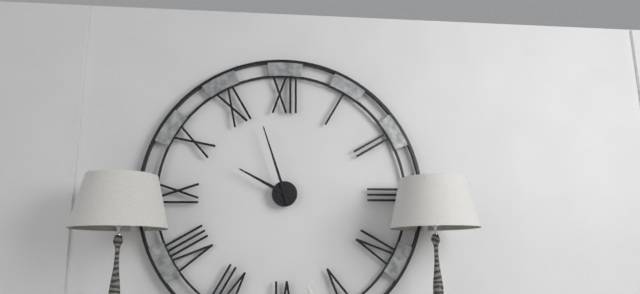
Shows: h=9 m=57
